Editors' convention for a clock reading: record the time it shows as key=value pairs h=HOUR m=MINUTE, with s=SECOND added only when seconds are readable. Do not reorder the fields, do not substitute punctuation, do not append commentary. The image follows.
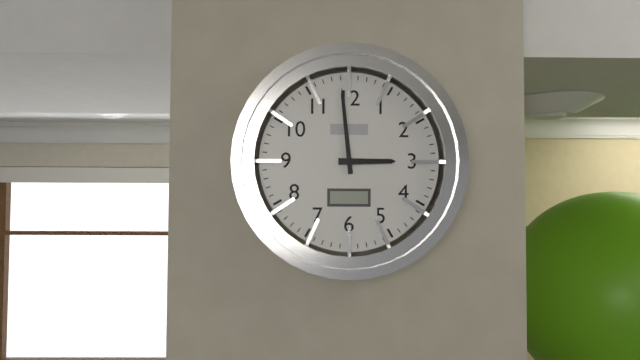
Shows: h=2 m=59
